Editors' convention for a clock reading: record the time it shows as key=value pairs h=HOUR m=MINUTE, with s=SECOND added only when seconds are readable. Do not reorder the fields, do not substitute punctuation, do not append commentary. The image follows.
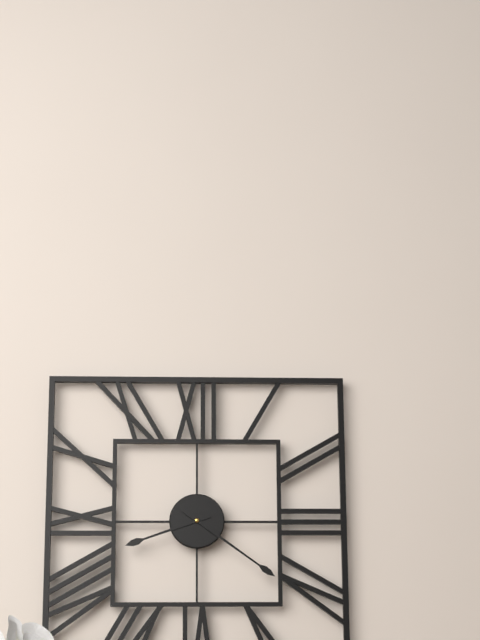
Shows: h=8 m=21
